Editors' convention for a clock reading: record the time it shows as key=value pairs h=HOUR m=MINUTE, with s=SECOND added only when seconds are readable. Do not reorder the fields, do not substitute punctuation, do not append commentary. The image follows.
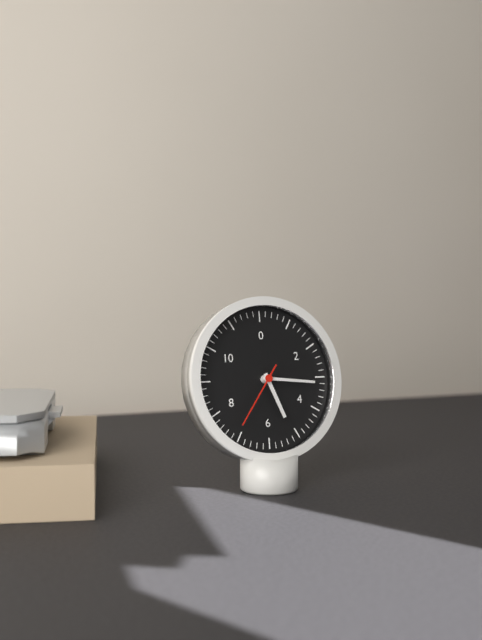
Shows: h=5 m=16 s=36
